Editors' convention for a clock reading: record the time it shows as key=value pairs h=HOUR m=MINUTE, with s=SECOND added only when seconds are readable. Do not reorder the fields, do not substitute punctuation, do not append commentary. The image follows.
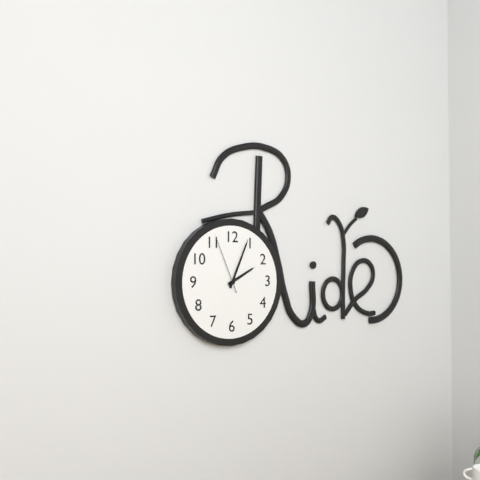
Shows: h=2 m=4 s=56
